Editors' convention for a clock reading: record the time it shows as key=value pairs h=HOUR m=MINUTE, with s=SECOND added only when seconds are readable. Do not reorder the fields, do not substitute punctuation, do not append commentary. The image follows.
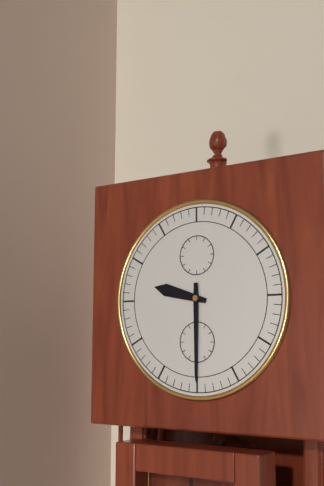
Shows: h=9 m=30
